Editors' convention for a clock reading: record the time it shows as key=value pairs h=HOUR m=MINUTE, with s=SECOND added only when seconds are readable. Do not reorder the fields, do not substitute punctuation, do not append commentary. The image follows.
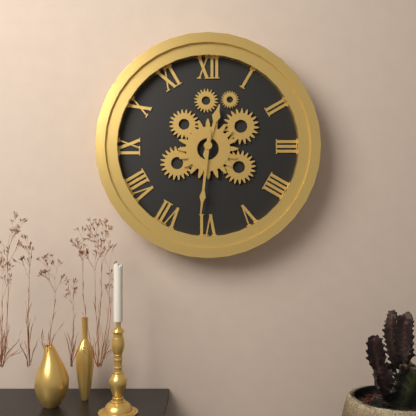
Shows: h=12 m=31
